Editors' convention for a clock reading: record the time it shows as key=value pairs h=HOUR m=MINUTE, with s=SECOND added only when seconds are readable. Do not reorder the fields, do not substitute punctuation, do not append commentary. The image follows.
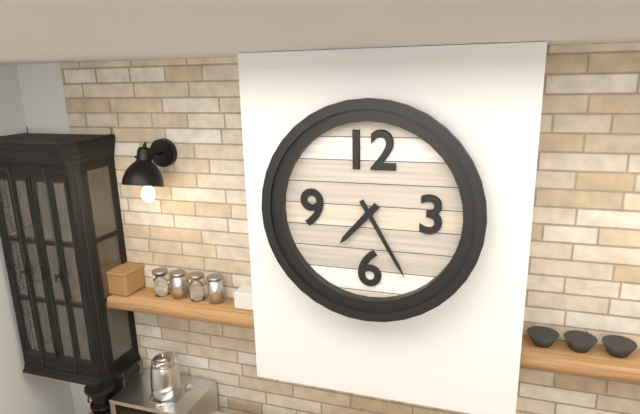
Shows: h=7 m=25
